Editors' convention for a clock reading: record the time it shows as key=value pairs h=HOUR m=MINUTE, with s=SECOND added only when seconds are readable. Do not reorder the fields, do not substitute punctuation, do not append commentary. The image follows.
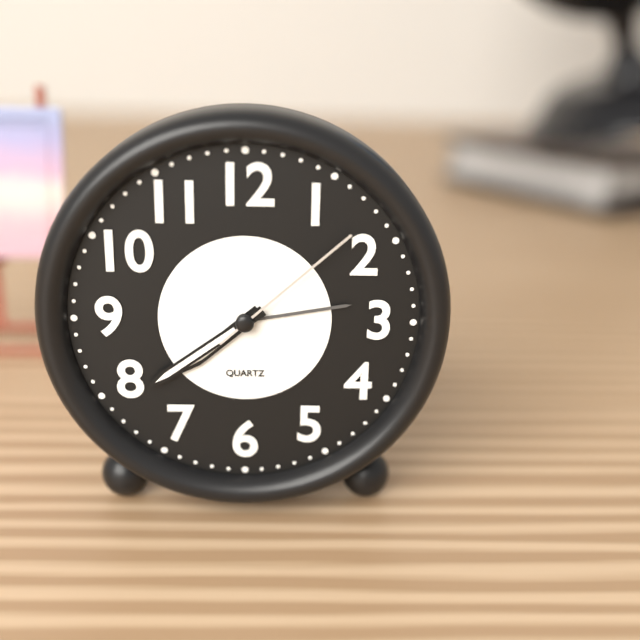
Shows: h=7 m=39 s=8
